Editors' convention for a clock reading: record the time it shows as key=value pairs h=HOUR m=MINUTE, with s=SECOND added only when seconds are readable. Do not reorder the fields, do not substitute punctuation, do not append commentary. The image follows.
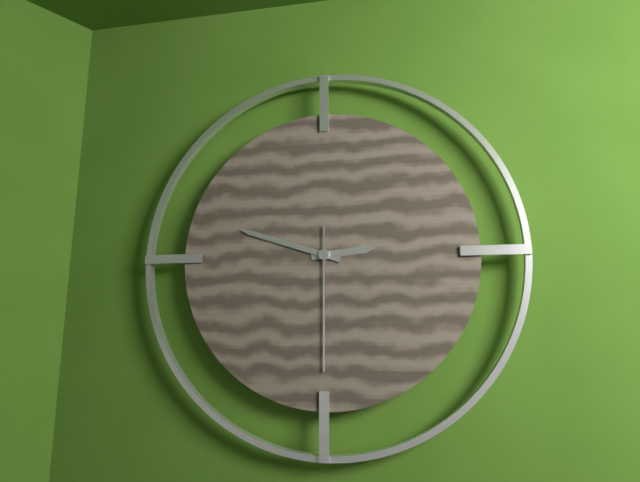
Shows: h=2 m=48 s=30
